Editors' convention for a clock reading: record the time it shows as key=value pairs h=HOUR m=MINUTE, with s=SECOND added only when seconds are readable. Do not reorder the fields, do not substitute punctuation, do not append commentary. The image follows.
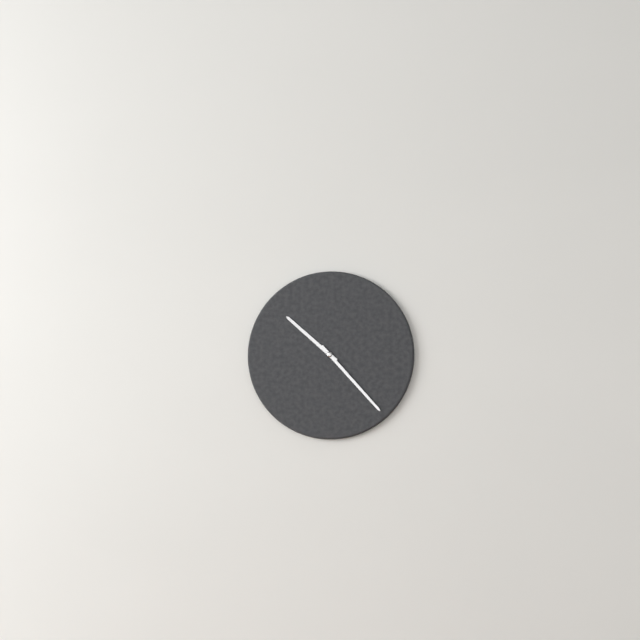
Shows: h=10 m=23
